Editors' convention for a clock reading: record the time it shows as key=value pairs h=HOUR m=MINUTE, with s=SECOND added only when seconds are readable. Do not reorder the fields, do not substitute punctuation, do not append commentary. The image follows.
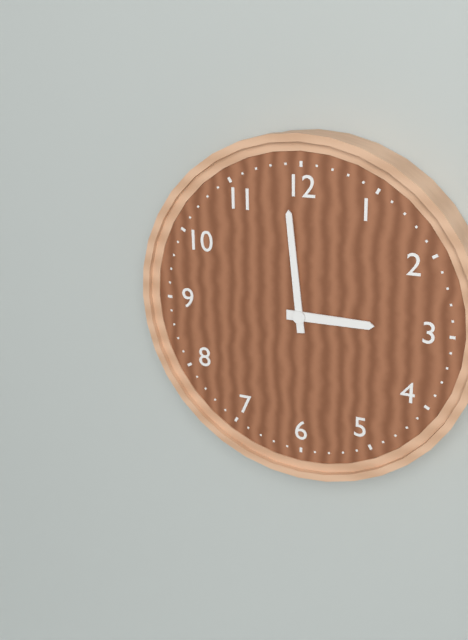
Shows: h=2 m=59
